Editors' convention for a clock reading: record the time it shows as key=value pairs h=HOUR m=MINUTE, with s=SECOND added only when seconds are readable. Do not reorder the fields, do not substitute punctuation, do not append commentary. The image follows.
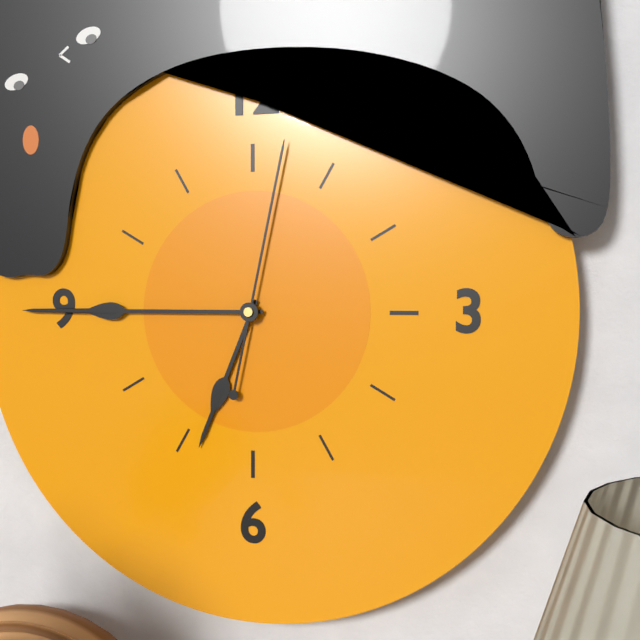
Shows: h=6 m=45 s=2
